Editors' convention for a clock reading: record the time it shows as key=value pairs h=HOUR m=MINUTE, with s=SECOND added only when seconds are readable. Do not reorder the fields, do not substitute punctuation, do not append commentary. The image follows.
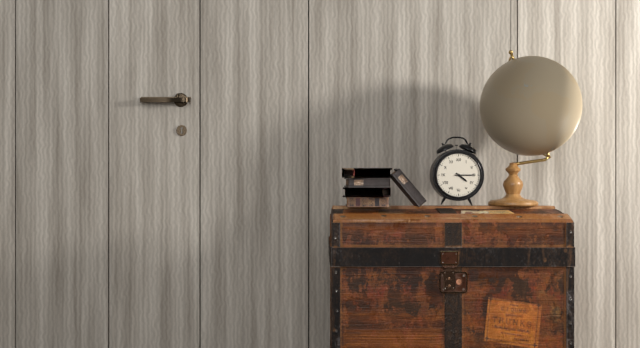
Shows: h=4 m=15
